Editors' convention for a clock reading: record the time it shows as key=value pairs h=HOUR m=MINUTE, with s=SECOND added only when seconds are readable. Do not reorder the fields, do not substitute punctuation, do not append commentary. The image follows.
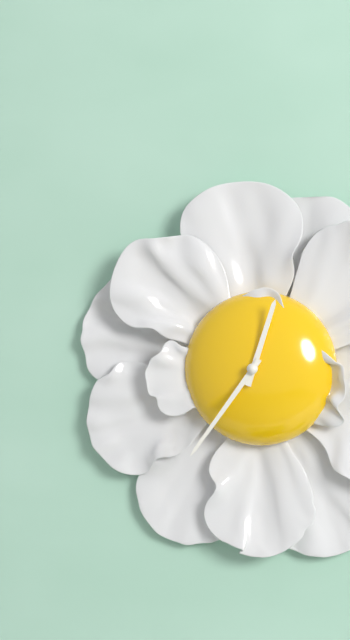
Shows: h=12 m=36
